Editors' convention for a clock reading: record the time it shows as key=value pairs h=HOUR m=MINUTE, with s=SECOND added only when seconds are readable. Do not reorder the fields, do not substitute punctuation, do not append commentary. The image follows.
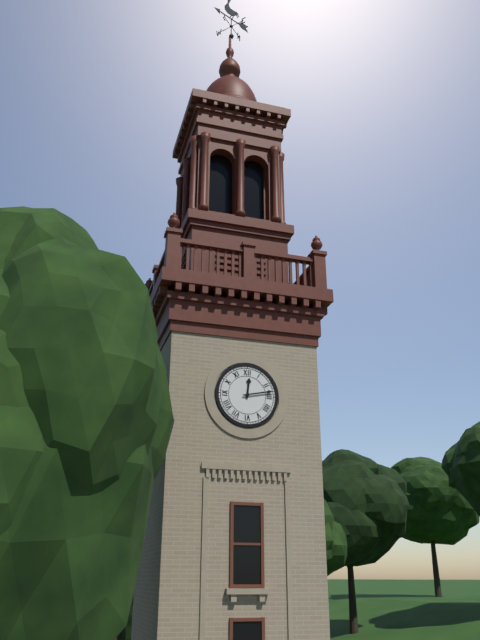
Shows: h=12 m=13
